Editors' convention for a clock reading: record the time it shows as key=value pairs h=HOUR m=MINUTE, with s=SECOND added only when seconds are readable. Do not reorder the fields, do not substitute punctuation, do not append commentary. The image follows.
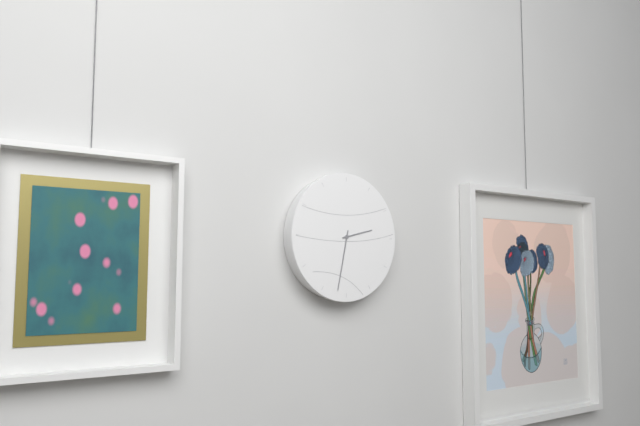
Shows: h=2 m=32
